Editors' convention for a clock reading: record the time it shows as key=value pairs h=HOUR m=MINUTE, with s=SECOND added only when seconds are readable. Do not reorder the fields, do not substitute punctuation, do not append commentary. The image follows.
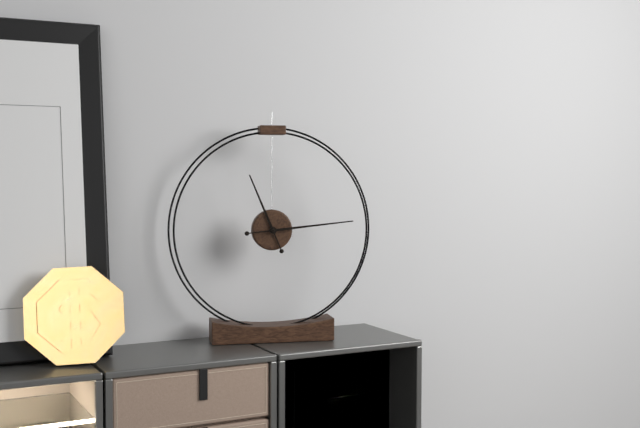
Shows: h=11 m=14
